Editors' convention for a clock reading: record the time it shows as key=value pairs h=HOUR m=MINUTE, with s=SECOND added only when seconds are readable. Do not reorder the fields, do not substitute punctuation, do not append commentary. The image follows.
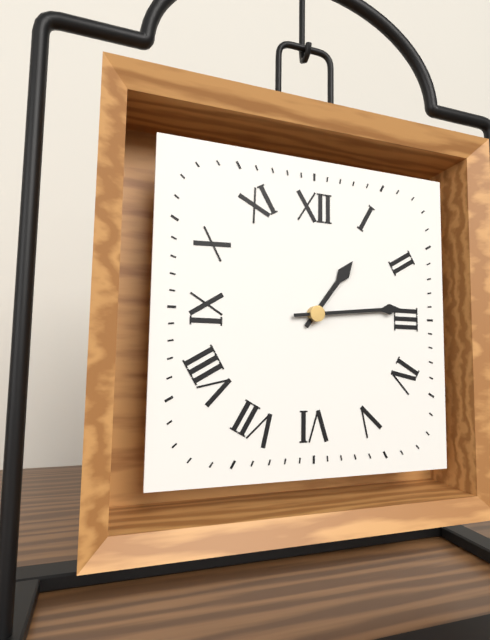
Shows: h=1 m=14
